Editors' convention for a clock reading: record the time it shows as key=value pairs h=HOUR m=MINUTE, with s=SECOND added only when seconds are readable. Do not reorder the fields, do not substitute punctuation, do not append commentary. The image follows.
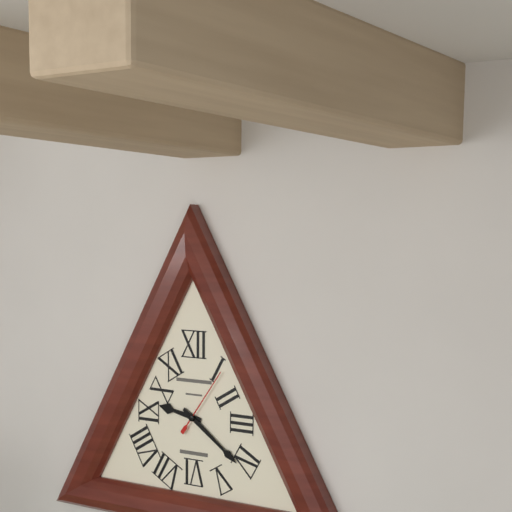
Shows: h=9 m=21 s=6
